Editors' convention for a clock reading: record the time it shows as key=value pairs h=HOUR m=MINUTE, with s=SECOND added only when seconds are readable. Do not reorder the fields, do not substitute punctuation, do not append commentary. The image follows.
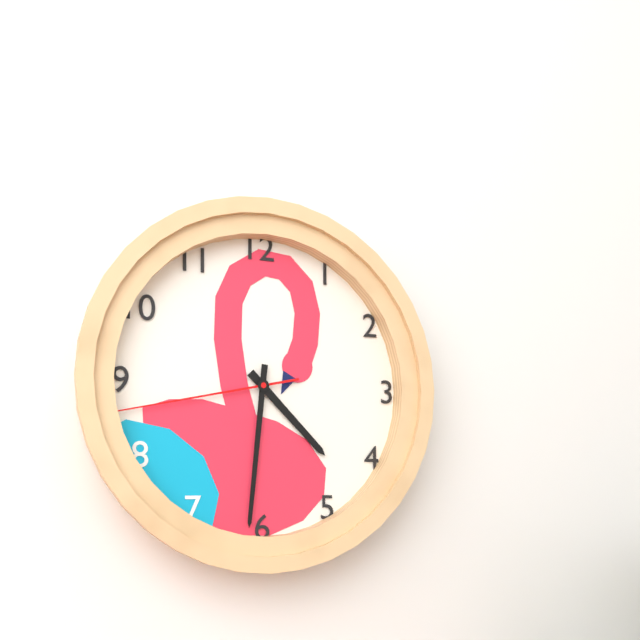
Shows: h=4 m=31 s=43
